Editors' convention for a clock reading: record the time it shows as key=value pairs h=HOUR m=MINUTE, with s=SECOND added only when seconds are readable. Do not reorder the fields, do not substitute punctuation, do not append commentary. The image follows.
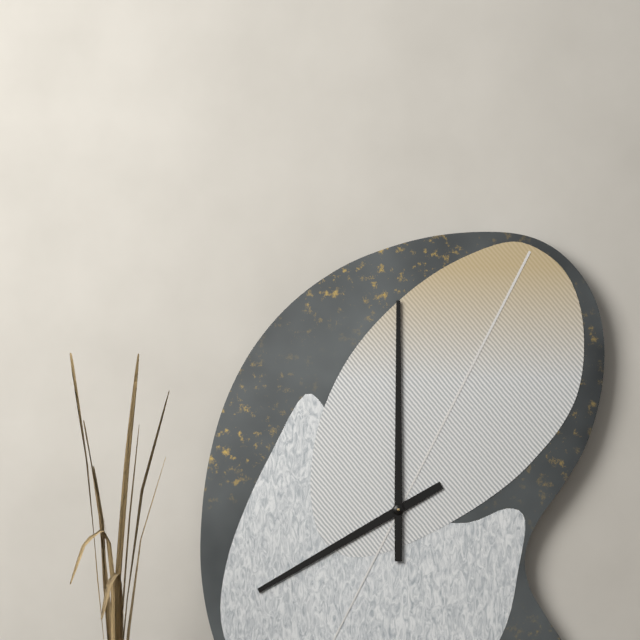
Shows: h=8 m=0
